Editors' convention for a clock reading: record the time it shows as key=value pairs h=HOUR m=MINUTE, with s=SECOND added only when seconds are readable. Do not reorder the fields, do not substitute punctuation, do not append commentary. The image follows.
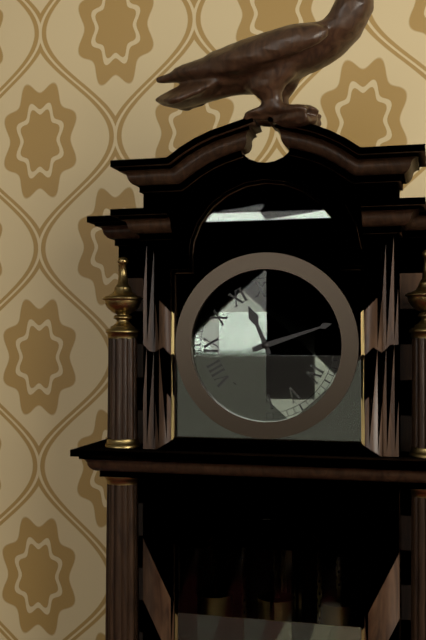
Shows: h=11 m=12
